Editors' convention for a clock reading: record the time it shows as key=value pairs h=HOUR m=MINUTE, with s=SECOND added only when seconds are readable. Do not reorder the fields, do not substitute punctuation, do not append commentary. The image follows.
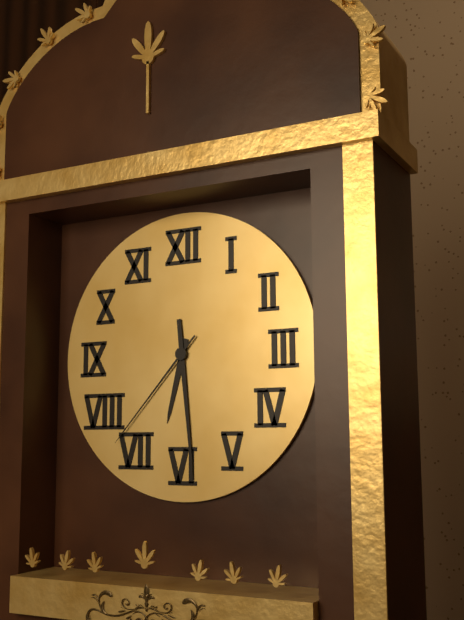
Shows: h=6 m=29 s=37
